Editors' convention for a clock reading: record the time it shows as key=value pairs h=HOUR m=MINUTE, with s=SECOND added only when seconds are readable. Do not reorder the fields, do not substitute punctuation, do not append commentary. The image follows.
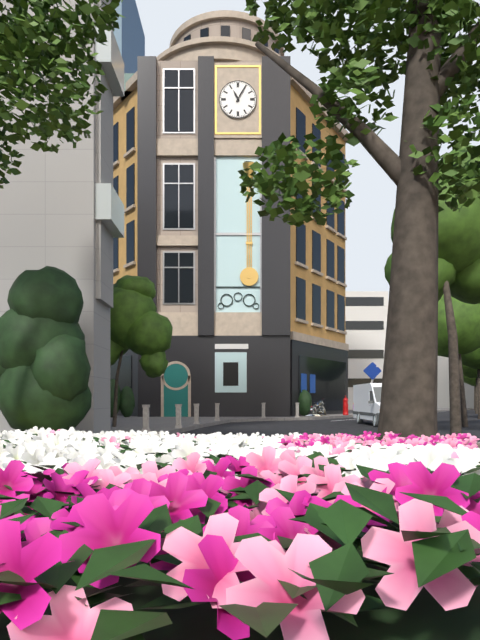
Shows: h=11 m=5
